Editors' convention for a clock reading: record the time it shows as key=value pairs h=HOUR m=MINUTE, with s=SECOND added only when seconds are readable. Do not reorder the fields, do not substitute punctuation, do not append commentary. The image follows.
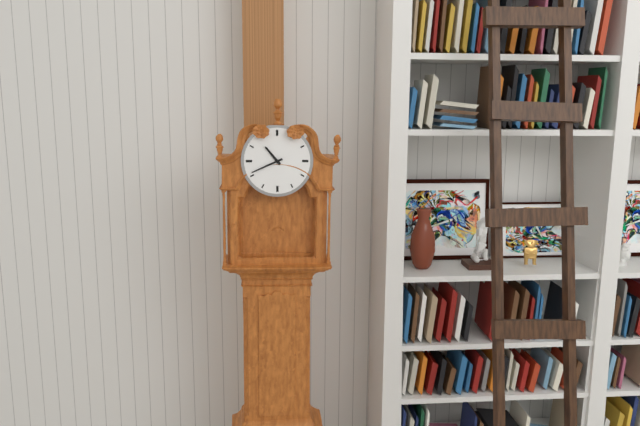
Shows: h=10 m=41
